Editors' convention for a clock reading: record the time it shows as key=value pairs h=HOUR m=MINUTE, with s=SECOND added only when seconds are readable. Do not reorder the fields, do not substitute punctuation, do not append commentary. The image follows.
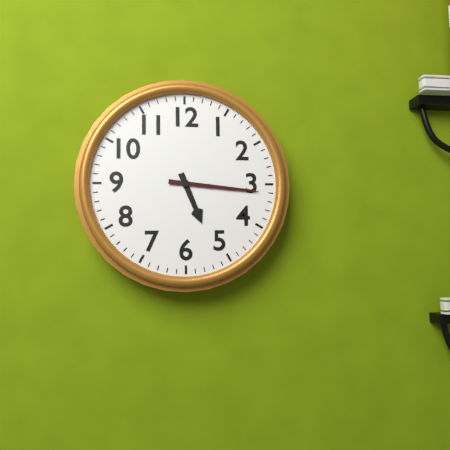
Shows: h=5 m=16
